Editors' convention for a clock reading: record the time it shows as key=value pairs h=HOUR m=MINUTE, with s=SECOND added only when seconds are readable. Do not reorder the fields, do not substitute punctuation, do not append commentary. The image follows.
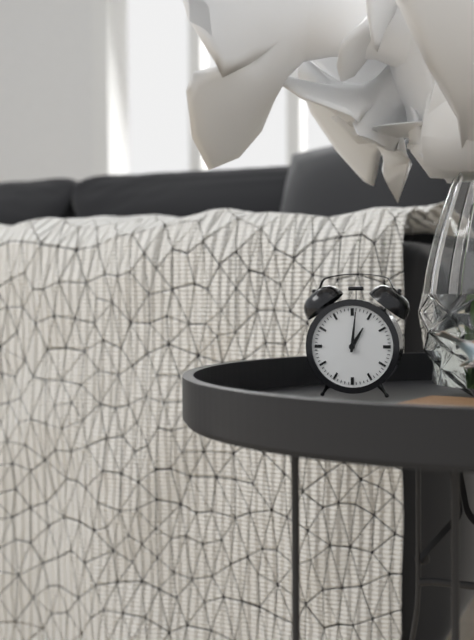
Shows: h=1 m=1
